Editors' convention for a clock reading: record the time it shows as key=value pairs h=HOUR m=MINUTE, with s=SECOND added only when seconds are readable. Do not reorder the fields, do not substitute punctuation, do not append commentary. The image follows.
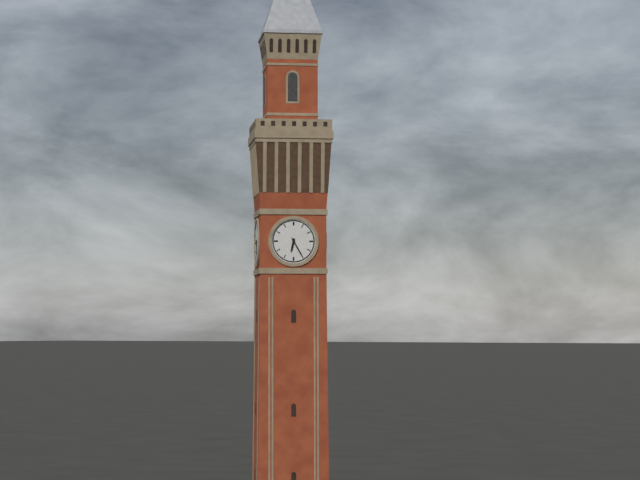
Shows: h=6 m=25
